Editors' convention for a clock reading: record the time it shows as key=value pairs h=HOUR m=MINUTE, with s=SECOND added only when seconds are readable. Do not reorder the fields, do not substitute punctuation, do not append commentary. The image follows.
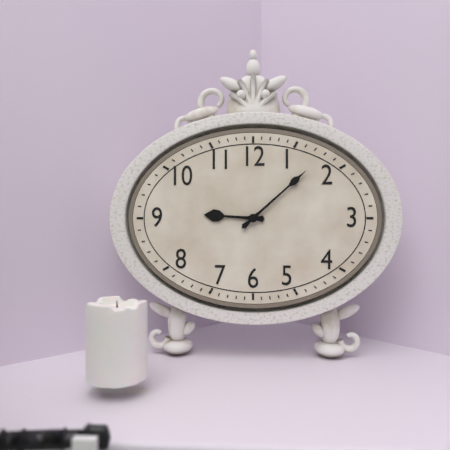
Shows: h=9 m=8
